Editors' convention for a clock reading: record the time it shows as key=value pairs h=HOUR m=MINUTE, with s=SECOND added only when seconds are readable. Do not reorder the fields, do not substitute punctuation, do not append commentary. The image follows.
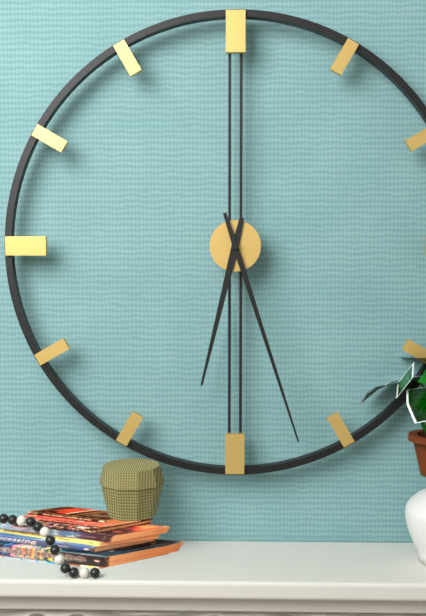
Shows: h=6 m=27
